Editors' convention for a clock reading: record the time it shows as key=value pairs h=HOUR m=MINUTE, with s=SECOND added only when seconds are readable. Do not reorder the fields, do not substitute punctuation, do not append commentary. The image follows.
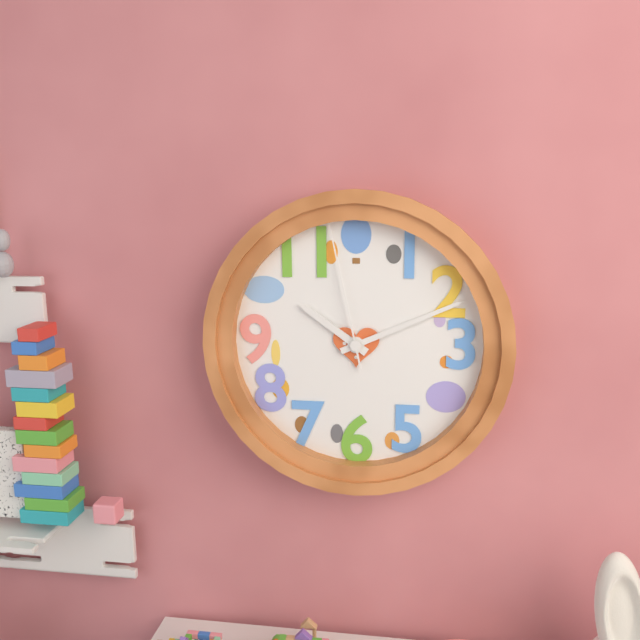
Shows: h=10 m=11 s=58
